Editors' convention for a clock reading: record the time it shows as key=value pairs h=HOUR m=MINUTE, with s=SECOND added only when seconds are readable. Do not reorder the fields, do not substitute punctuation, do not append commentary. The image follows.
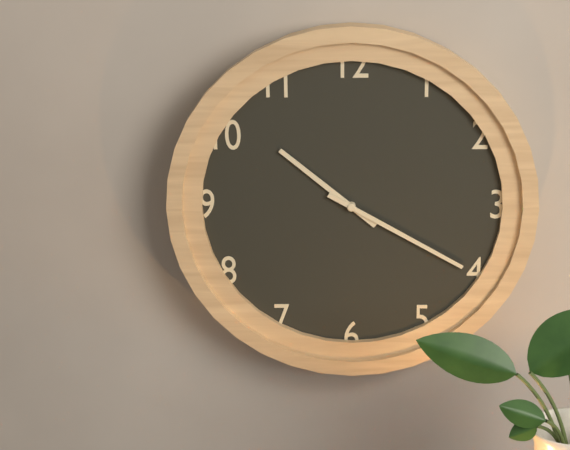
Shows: h=10 m=20
